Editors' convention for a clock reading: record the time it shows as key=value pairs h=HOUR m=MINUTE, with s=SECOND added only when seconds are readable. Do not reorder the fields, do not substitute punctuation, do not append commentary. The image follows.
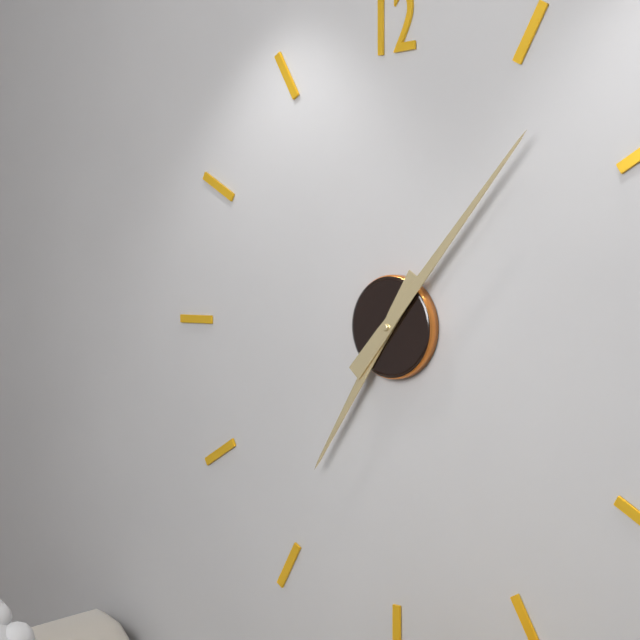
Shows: h=7 m=7
